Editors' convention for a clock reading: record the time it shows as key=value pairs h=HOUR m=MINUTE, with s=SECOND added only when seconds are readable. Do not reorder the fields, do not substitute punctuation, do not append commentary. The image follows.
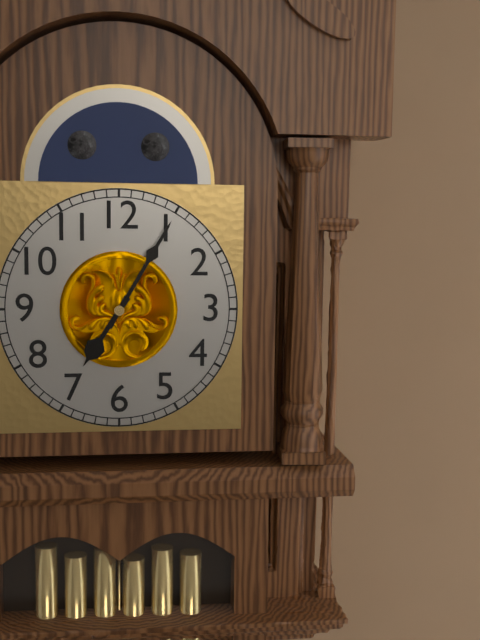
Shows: h=7 m=5
